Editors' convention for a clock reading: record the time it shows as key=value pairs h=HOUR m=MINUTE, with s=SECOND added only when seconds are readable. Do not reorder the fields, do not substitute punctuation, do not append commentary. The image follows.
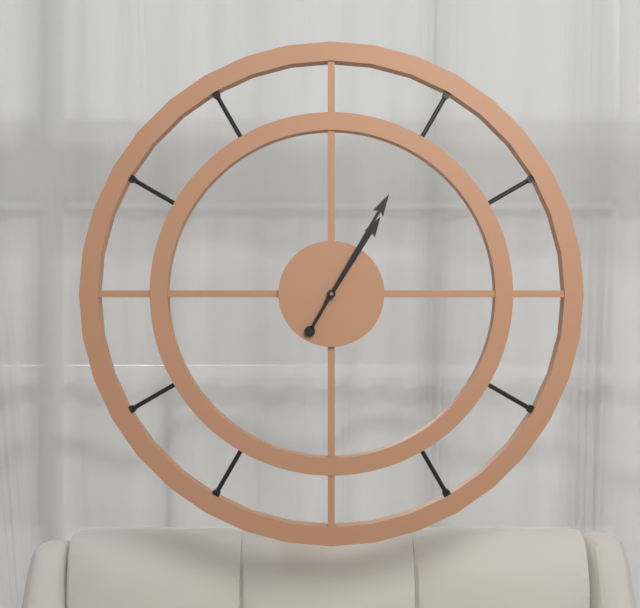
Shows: h=1 m=5
